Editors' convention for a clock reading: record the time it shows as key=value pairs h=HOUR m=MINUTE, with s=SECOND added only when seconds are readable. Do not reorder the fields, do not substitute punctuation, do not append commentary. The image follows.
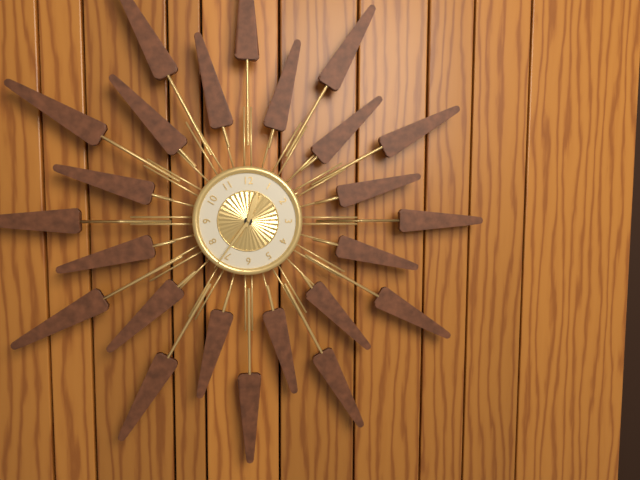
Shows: h=12 m=36
